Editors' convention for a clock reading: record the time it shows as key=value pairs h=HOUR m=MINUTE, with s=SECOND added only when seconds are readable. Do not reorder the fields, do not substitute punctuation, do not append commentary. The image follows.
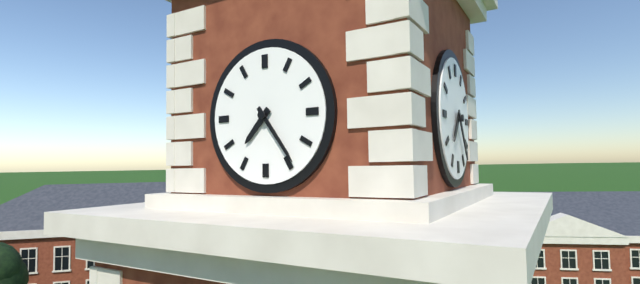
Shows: h=7 m=24
